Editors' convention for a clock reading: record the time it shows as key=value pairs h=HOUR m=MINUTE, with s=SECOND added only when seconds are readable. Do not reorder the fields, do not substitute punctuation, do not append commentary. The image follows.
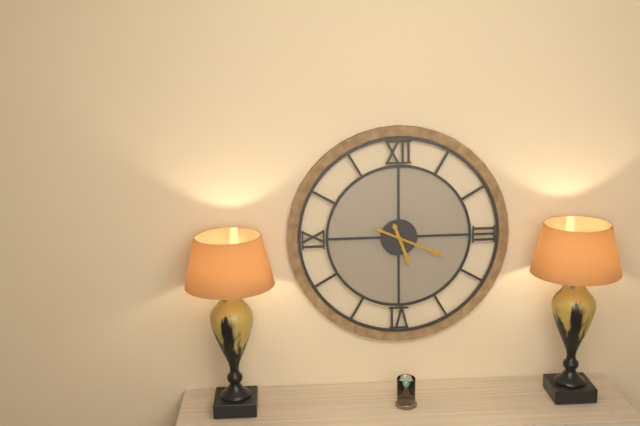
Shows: h=5 m=19
